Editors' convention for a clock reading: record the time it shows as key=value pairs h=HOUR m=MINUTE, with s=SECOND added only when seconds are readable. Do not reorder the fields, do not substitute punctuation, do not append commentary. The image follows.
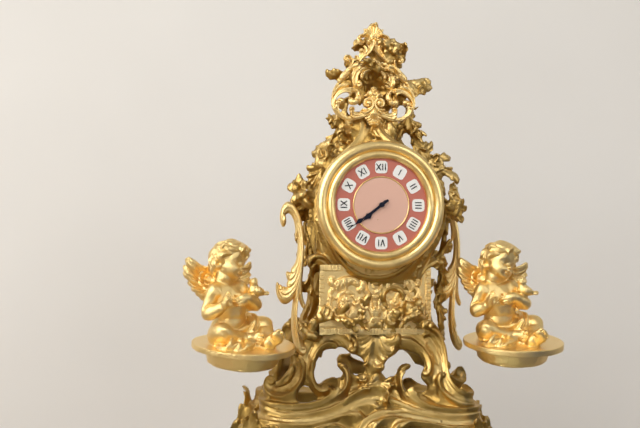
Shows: h=7 m=39
